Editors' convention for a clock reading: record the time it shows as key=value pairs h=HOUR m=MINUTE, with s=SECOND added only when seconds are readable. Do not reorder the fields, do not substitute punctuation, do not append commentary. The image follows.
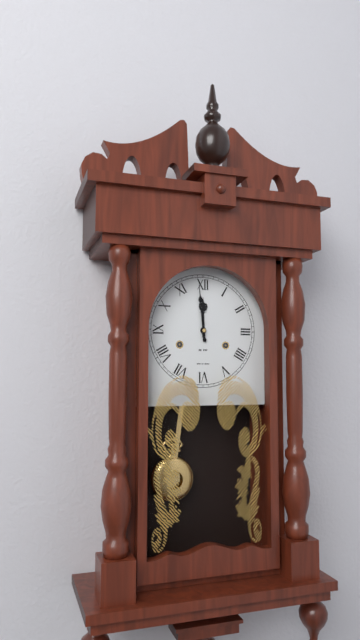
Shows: h=11 m=59
